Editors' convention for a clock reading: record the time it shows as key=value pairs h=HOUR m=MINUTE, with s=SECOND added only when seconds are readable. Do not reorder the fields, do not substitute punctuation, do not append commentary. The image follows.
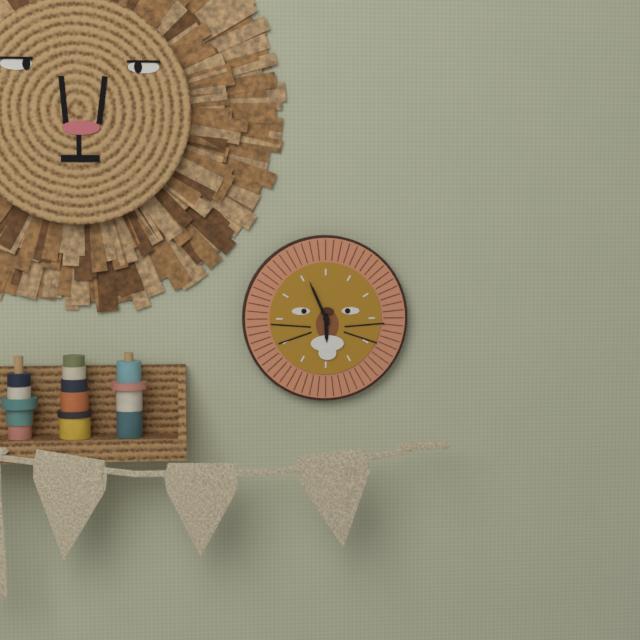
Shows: h=5 m=56
